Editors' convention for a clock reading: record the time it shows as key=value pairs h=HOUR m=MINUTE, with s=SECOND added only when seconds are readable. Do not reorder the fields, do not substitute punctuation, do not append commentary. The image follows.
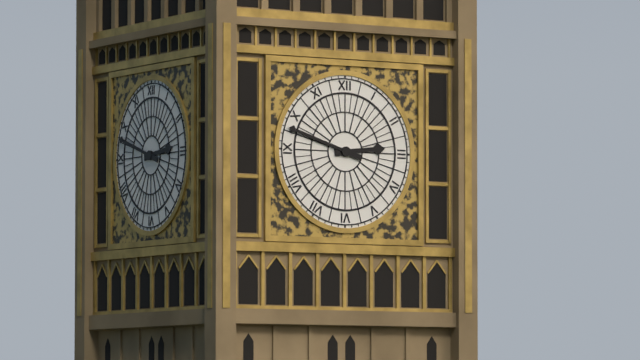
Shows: h=2 m=48
